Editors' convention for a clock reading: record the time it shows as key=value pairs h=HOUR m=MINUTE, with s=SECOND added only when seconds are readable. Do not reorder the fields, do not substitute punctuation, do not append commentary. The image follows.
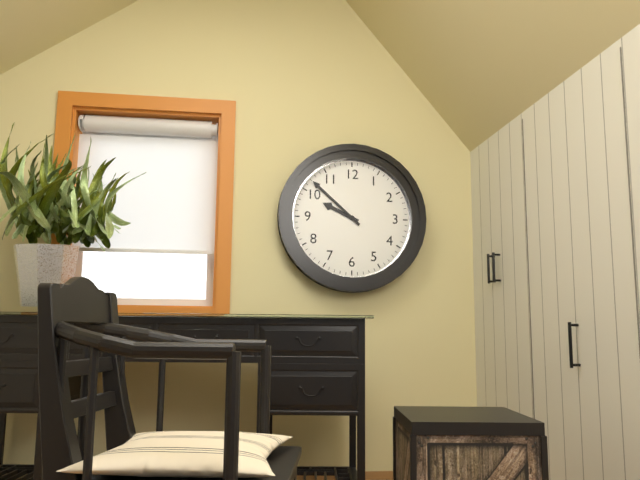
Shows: h=9 m=52
